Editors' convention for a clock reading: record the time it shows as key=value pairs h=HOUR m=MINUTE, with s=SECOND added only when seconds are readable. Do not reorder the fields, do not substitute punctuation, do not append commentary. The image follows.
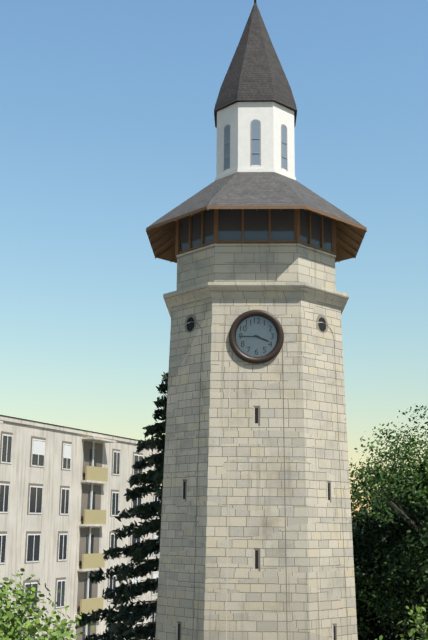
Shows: h=3 m=45
